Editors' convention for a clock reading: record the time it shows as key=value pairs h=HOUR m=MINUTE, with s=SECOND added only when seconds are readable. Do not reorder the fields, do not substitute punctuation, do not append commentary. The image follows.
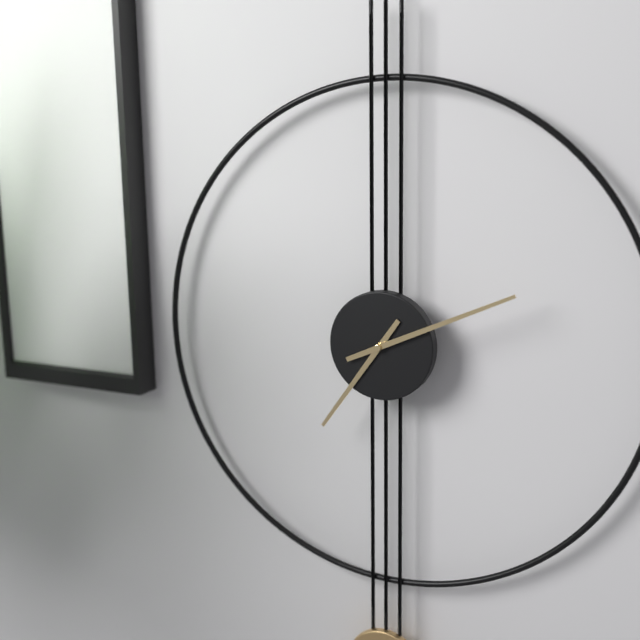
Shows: h=7 m=11
